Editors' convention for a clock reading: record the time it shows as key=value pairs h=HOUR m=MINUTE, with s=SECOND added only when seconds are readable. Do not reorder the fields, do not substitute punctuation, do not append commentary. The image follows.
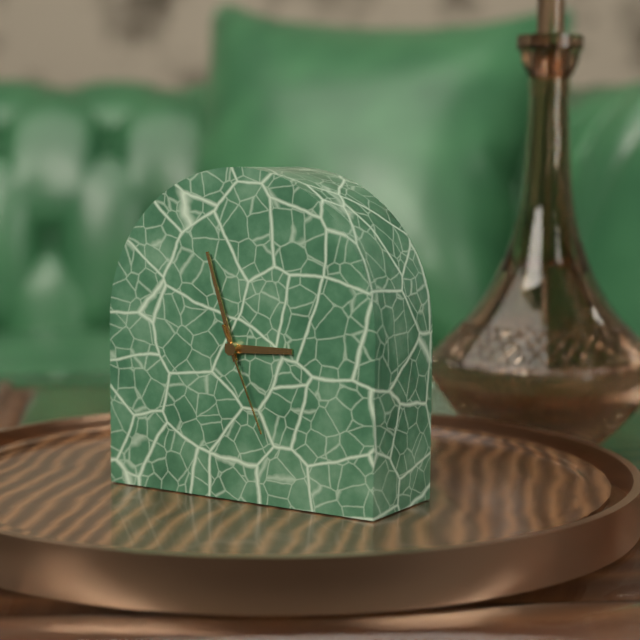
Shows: h=2 m=57 s=26
